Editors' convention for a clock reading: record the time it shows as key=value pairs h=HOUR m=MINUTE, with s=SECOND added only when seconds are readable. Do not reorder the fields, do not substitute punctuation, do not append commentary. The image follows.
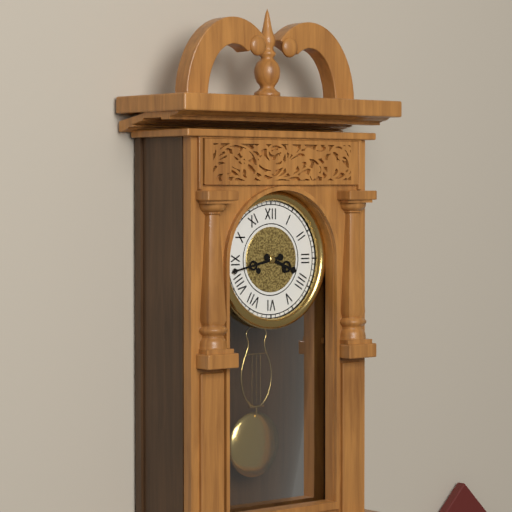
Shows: h=3 m=43
